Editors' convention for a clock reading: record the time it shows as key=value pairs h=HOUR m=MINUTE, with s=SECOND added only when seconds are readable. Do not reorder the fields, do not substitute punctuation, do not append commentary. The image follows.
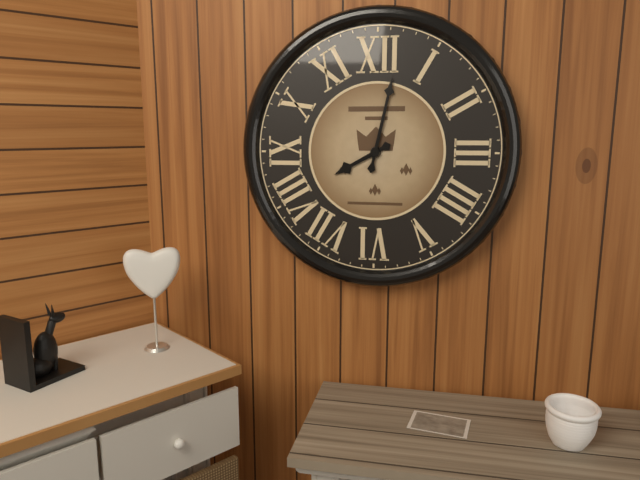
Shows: h=8 m=2
